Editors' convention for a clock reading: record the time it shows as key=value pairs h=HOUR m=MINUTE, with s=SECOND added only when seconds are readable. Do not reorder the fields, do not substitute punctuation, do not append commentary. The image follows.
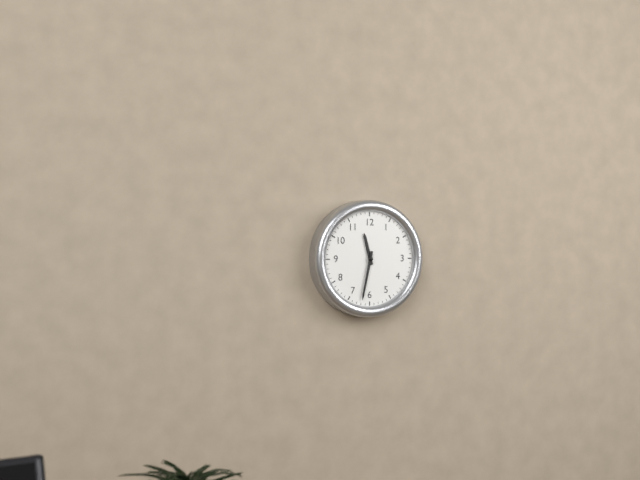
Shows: h=11 m=32
